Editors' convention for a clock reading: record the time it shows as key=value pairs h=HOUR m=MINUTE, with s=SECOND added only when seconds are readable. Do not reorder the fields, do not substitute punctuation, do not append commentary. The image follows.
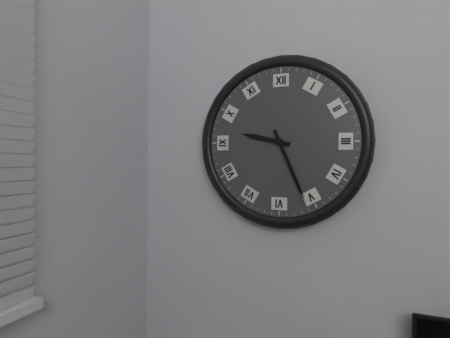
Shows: h=9 m=26
